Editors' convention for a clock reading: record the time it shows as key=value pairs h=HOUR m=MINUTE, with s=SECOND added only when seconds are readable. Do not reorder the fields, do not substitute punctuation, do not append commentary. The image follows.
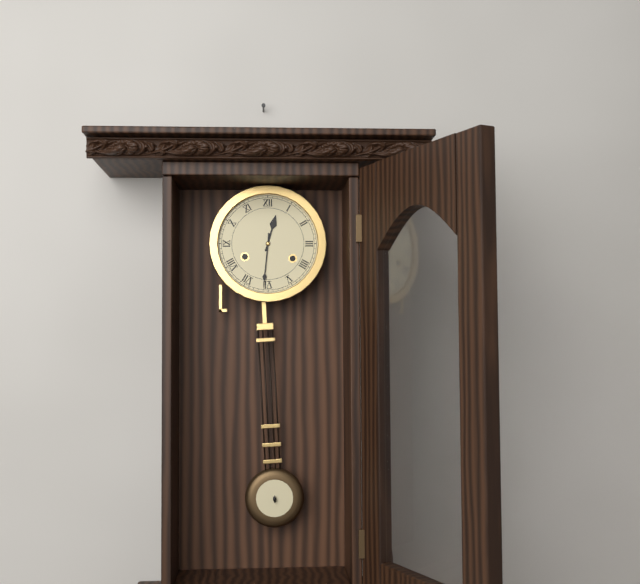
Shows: h=12 m=31
